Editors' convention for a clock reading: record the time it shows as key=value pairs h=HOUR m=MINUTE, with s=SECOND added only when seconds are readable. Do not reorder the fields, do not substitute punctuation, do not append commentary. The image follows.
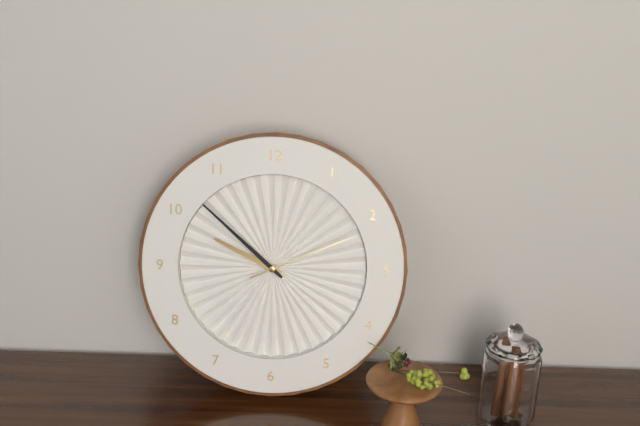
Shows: h=9 m=52 s=11
